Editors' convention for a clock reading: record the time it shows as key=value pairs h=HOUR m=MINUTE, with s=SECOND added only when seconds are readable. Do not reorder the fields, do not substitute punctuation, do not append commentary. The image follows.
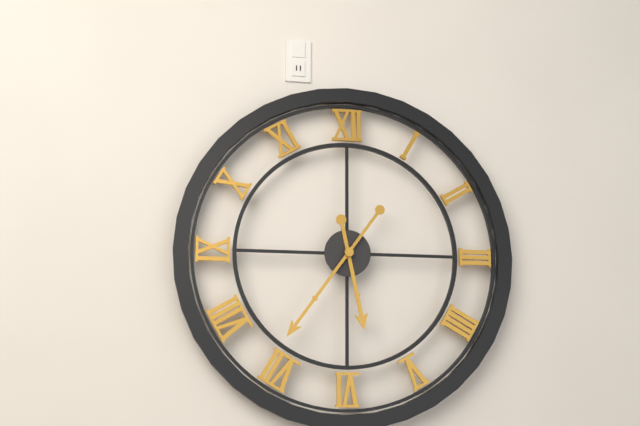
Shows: h=5 m=36
